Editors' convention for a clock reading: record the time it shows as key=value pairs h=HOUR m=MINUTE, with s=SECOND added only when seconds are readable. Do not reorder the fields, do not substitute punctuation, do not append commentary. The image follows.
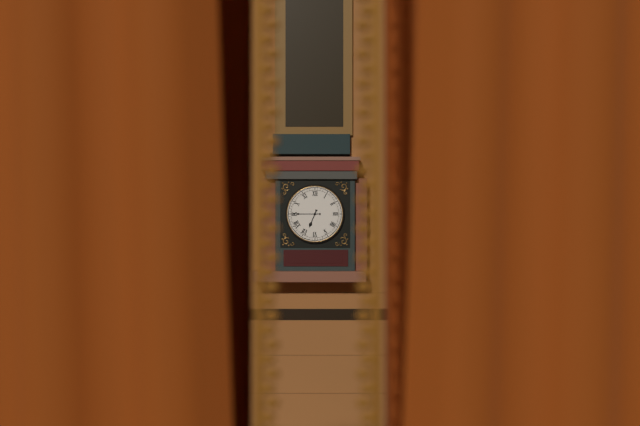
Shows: h=6 m=45
